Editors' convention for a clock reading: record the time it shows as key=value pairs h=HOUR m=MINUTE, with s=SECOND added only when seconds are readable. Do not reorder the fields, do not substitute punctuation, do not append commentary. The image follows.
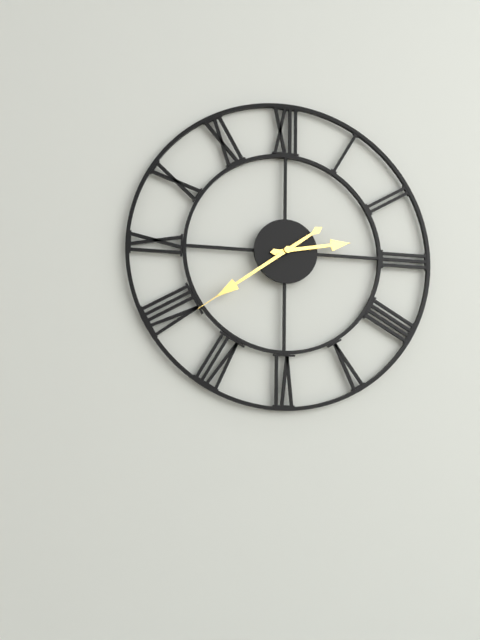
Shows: h=2 m=39
